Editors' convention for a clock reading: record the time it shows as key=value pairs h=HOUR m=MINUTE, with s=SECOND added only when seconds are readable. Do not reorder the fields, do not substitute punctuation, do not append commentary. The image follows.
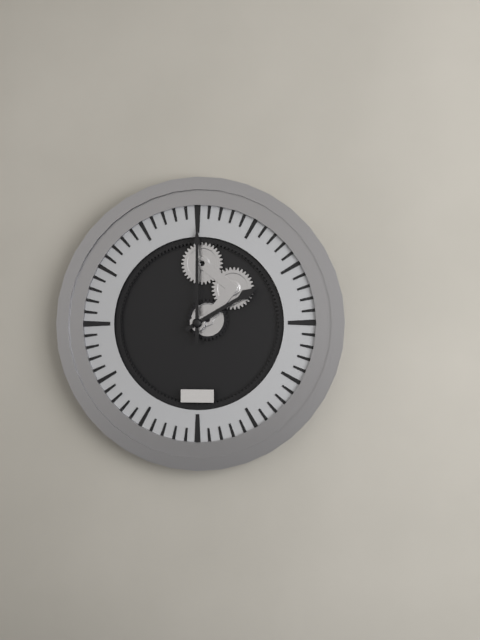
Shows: h=2 m=0
